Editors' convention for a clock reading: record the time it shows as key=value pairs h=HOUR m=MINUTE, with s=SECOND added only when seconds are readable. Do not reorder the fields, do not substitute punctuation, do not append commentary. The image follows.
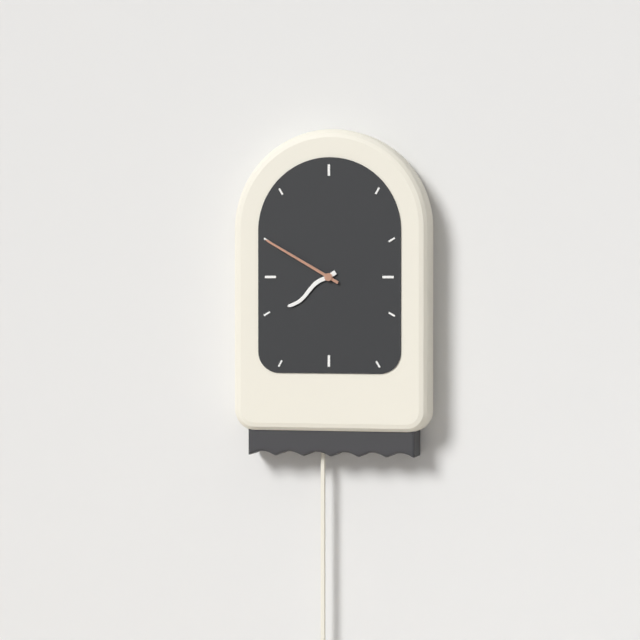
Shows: h=7 m=50
